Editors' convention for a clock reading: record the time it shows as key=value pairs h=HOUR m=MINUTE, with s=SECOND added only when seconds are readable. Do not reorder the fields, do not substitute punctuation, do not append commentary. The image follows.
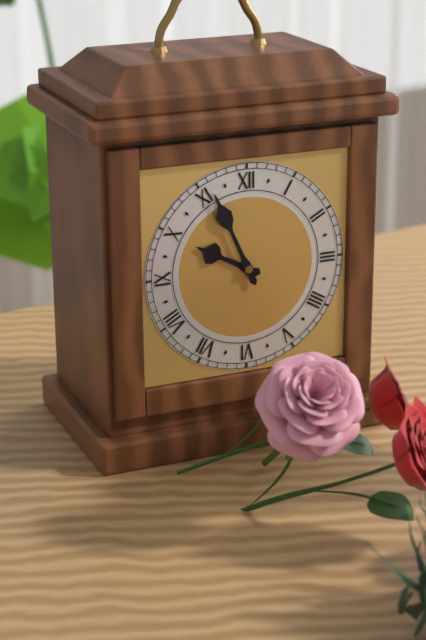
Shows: h=9 m=56
